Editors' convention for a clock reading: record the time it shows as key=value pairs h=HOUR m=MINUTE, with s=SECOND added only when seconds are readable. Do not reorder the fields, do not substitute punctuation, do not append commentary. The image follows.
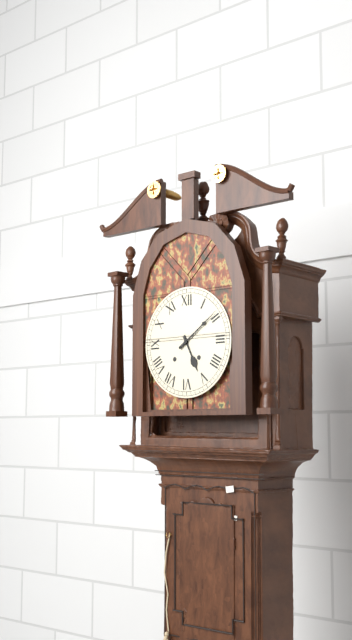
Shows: h=5 m=9
